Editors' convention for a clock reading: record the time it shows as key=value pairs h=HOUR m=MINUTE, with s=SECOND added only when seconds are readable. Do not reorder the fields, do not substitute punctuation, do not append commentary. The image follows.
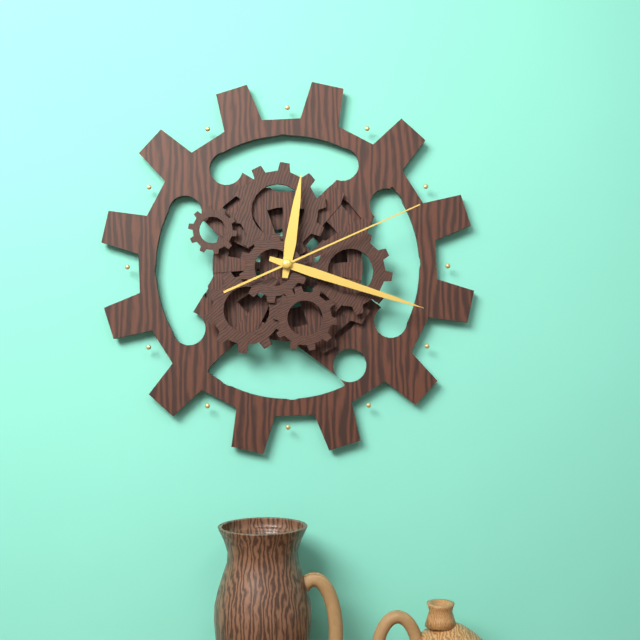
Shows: h=12 m=18 s=11
